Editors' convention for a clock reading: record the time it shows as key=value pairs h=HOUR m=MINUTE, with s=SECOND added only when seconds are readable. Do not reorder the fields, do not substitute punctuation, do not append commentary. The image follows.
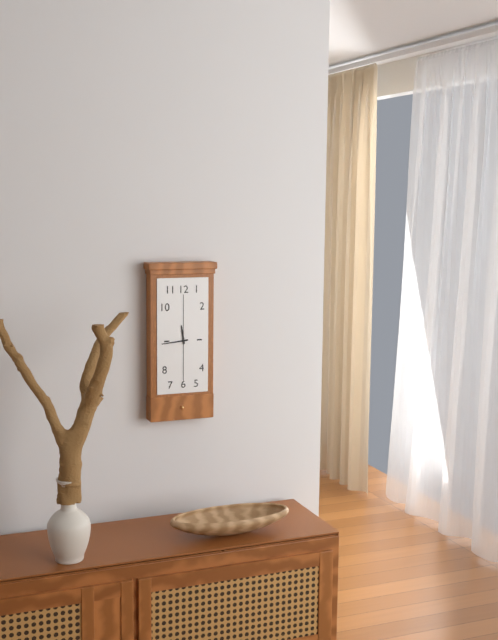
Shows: h=11 m=44
